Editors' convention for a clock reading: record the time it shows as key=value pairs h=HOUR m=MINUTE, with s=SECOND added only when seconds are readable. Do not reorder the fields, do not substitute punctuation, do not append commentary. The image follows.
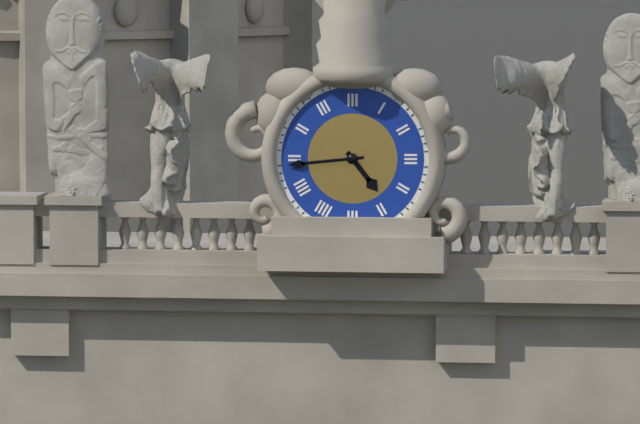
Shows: h=4 m=44
